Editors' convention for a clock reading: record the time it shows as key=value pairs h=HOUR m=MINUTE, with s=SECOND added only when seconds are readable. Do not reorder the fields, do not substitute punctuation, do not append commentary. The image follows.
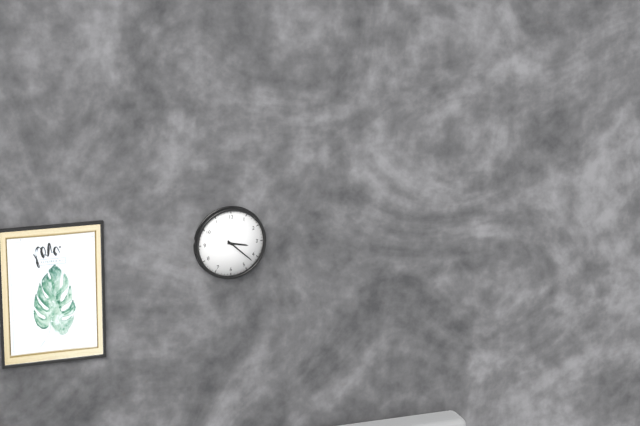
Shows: h=3 m=22
